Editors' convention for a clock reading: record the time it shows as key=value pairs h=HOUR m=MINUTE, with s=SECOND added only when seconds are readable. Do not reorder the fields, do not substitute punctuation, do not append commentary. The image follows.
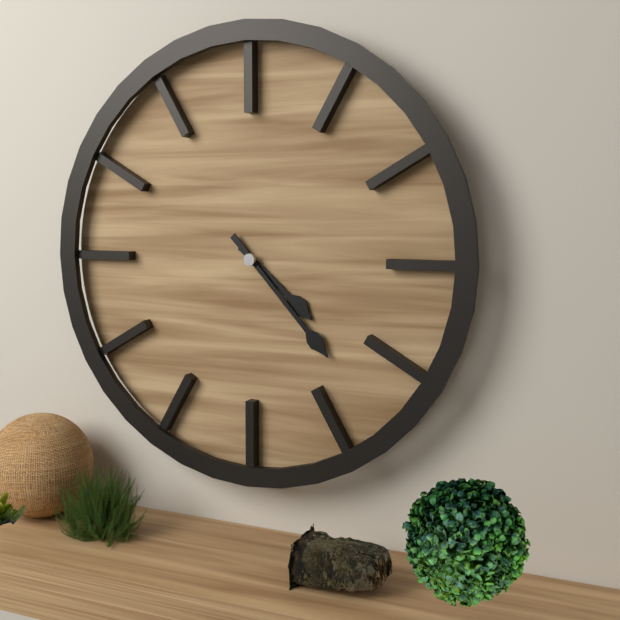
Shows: h=4 m=23
